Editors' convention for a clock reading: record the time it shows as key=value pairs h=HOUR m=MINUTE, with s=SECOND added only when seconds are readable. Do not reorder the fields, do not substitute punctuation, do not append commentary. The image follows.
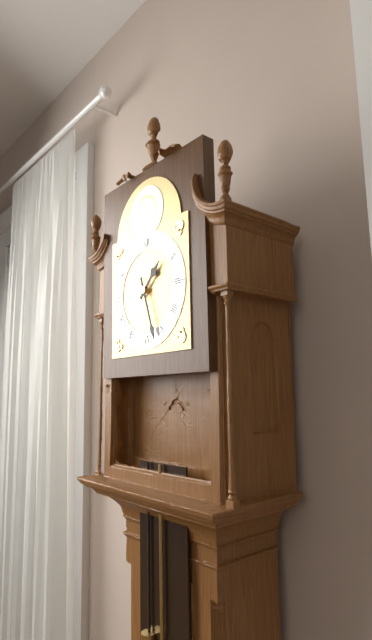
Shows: h=1 m=27
